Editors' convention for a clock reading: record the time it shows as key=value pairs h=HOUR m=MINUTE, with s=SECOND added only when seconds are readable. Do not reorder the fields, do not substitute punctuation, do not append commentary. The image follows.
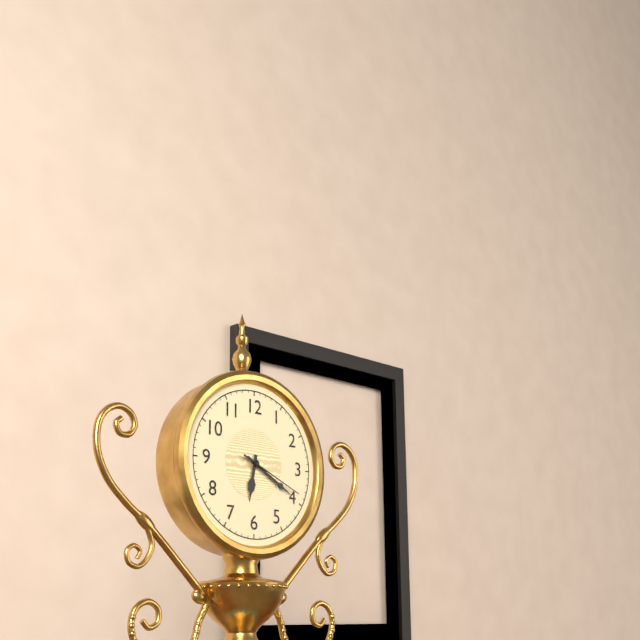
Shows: h=6 m=20 s=19
